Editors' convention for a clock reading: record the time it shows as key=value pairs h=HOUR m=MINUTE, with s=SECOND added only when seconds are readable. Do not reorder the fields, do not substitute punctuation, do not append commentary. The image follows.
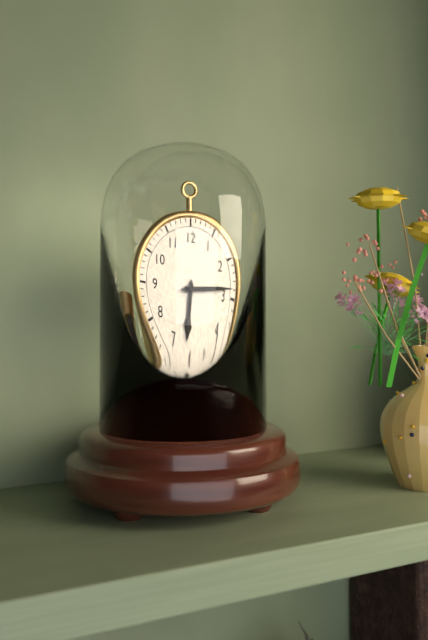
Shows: h=6 m=14
